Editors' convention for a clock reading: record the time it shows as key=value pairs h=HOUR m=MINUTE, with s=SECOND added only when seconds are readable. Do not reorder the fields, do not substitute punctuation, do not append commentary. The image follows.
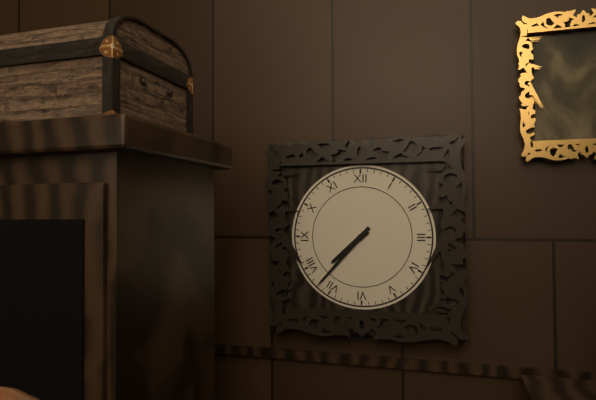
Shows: h=7 m=37
